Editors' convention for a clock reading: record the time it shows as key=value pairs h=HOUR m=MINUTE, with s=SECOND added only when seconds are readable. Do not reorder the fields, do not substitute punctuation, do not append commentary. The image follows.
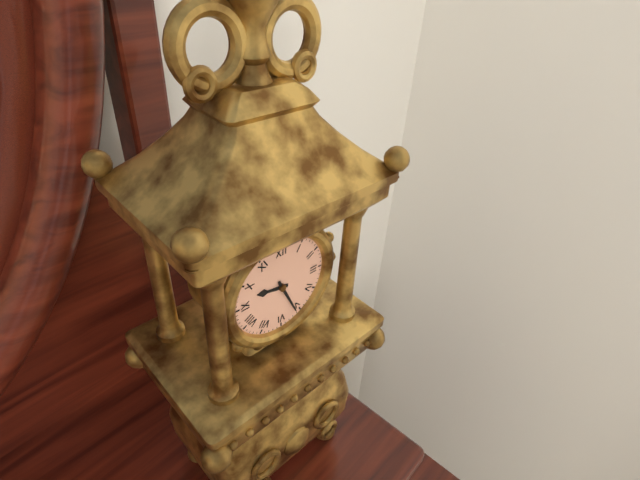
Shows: h=9 m=26
